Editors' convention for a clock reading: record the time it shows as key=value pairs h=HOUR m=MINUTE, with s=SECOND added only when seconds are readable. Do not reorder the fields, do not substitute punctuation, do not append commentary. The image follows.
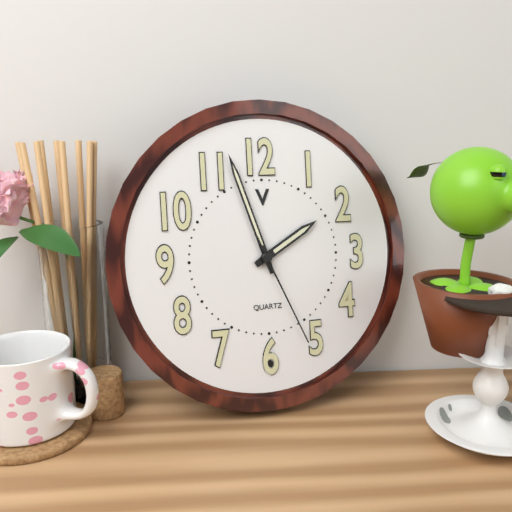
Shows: h=1 m=57 s=26
